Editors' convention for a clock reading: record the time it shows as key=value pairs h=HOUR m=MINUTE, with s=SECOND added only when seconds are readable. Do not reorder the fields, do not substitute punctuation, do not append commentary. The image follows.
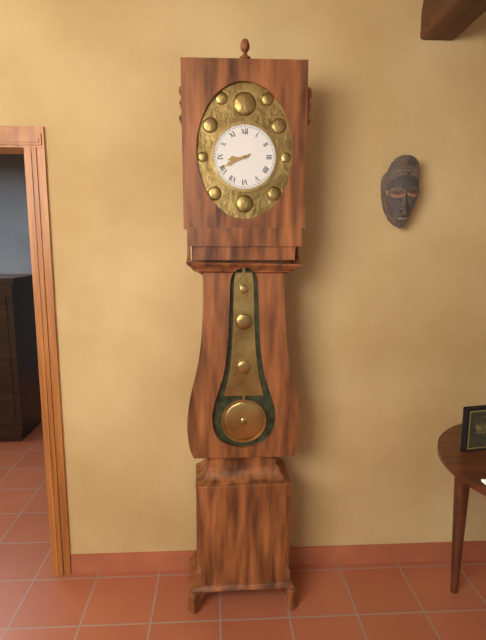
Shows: h=8 m=41
